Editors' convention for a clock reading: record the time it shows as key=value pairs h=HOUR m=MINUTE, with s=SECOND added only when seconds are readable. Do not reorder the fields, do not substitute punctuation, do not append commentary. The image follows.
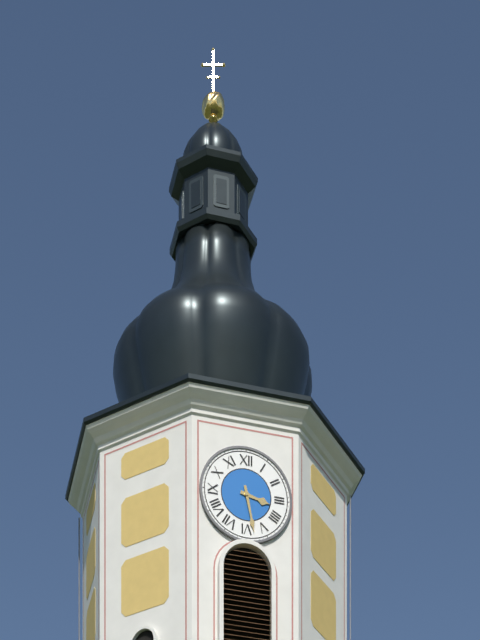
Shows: h=3 m=28
